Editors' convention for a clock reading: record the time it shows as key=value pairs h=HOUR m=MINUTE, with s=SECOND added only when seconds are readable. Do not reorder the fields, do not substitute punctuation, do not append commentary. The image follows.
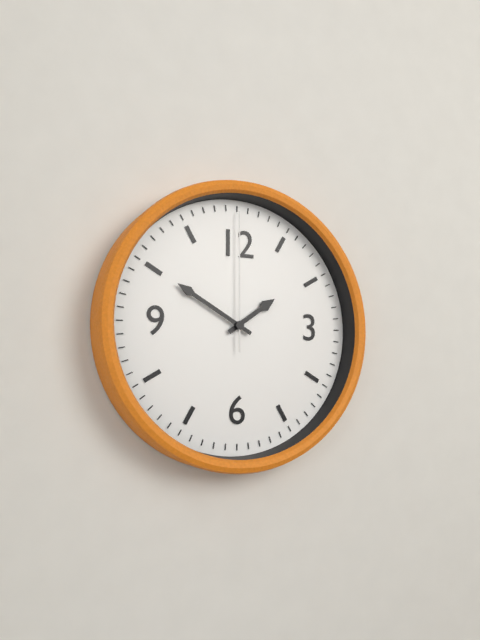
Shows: h=1 m=50 s=0
